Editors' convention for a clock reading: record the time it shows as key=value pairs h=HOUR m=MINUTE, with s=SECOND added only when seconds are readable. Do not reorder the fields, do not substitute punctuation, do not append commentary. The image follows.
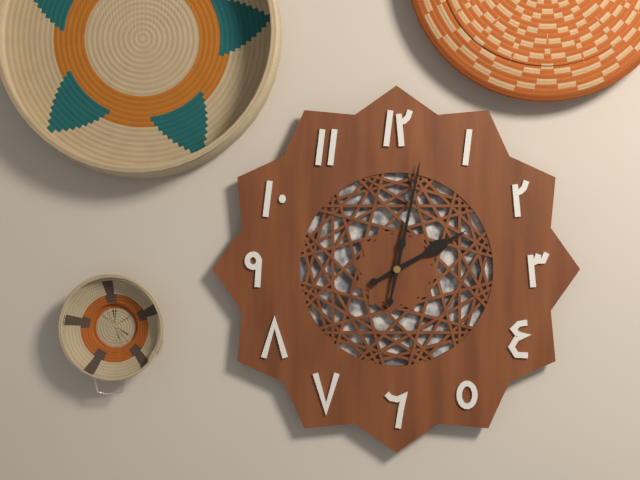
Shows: h=2 m=2
